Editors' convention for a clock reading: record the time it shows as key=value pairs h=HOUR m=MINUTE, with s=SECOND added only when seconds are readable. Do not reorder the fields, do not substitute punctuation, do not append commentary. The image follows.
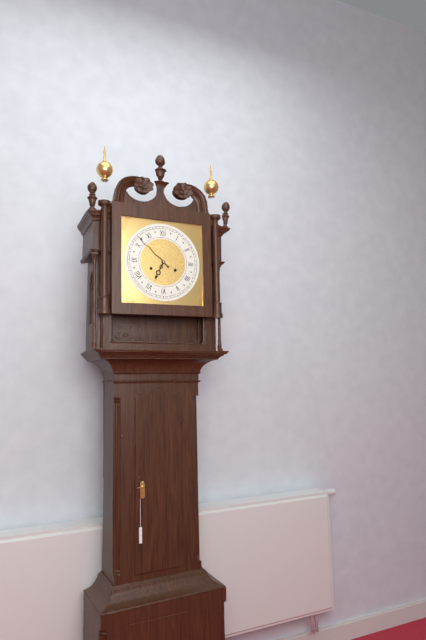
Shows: h=6 m=52
